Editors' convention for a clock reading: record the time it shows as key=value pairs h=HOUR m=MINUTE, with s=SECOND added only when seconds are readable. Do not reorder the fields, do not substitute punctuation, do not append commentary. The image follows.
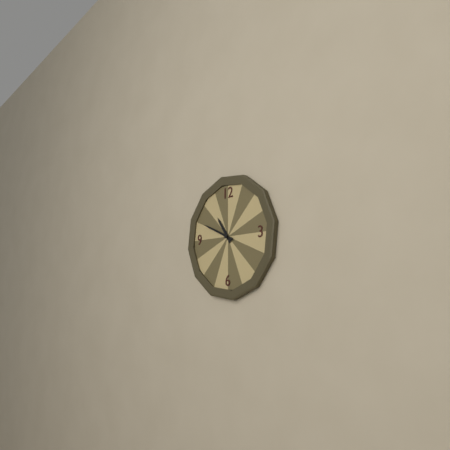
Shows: h=10 m=49
